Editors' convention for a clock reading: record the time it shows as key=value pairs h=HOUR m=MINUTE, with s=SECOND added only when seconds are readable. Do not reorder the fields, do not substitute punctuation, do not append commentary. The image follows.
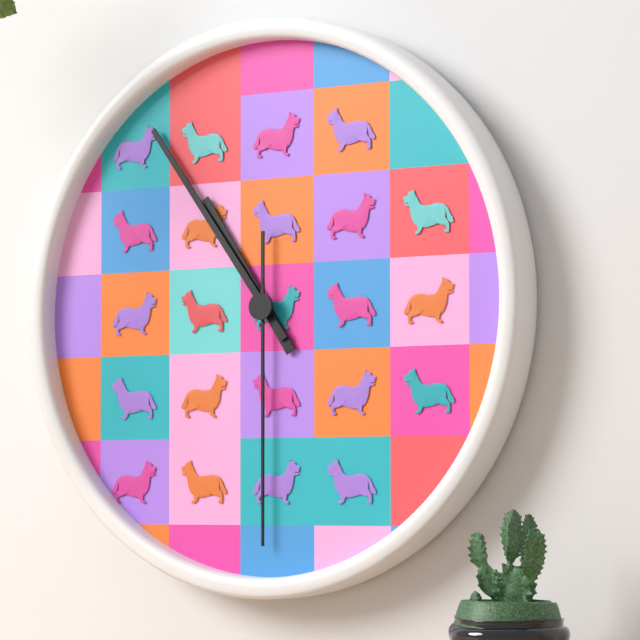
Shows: h=10 m=54 s=30
